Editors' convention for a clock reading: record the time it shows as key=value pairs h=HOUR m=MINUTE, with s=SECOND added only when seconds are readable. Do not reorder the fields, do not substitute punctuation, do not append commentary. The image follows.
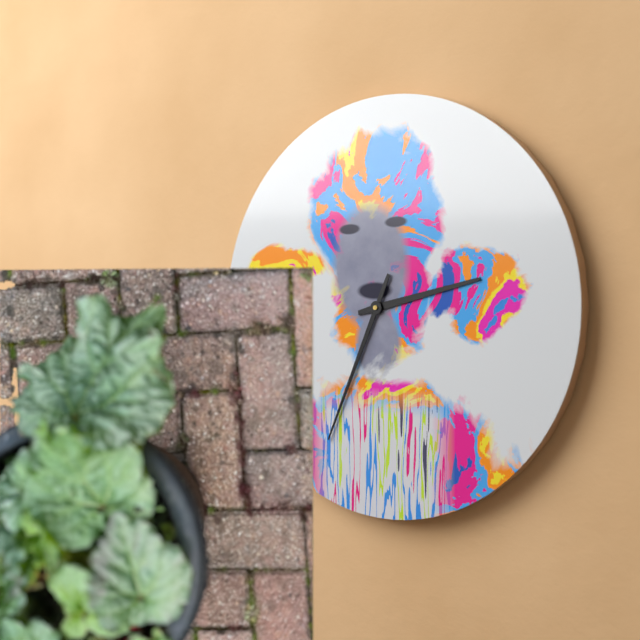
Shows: h=2 m=34
